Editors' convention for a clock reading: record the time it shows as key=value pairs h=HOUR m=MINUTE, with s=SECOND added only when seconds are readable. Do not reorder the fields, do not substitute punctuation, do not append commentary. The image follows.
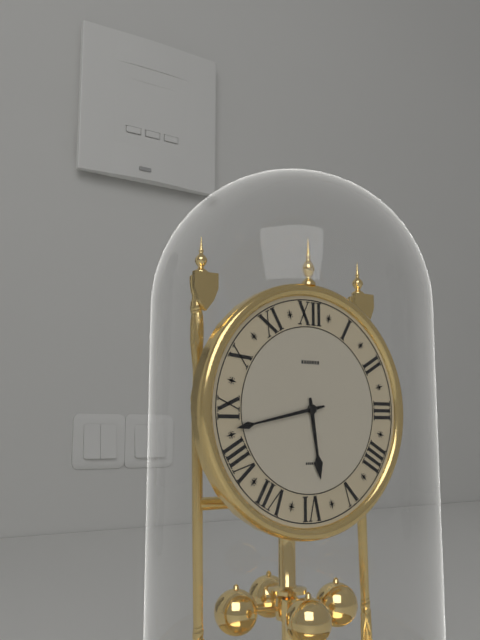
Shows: h=5 m=43
